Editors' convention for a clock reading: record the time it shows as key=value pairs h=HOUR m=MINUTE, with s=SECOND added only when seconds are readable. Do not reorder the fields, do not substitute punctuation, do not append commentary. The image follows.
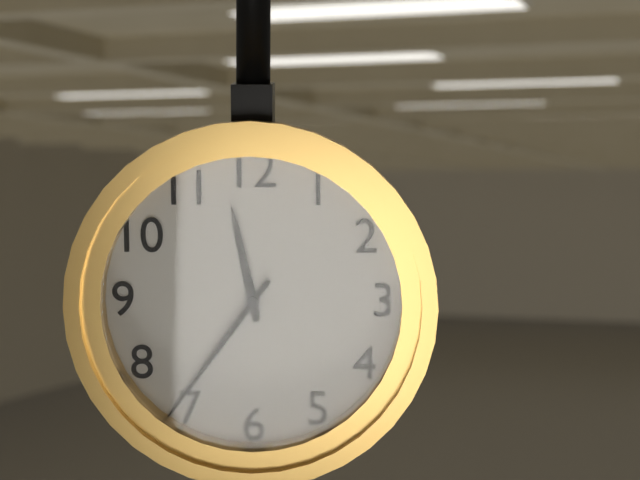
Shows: h=11 m=36
